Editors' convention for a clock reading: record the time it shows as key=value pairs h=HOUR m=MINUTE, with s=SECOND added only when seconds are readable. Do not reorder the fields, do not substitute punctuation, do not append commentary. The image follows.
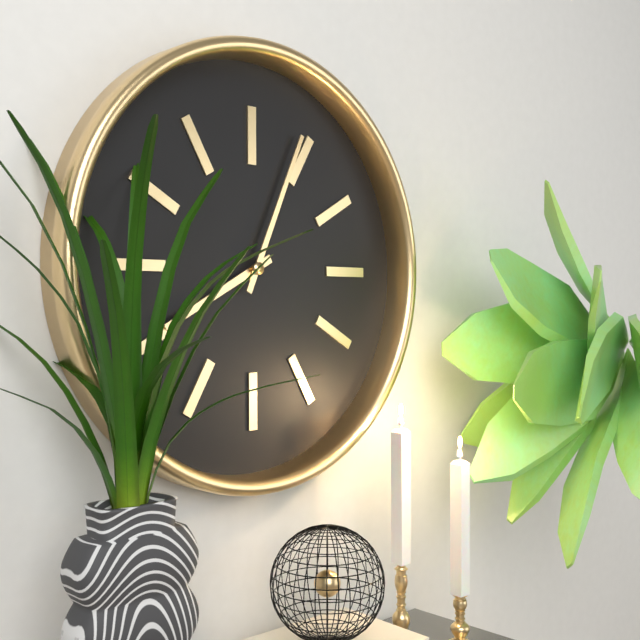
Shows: h=8 m=4
